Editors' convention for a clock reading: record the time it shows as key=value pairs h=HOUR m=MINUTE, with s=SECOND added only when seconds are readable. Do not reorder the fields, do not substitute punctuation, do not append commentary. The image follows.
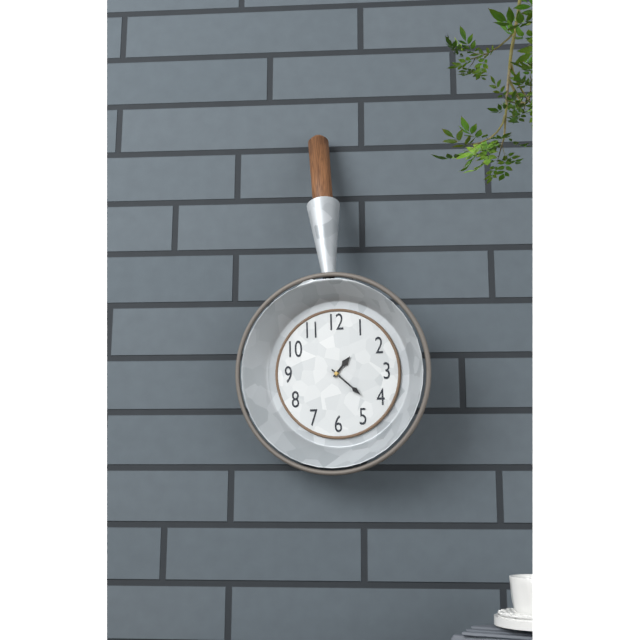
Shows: h=1 m=22
